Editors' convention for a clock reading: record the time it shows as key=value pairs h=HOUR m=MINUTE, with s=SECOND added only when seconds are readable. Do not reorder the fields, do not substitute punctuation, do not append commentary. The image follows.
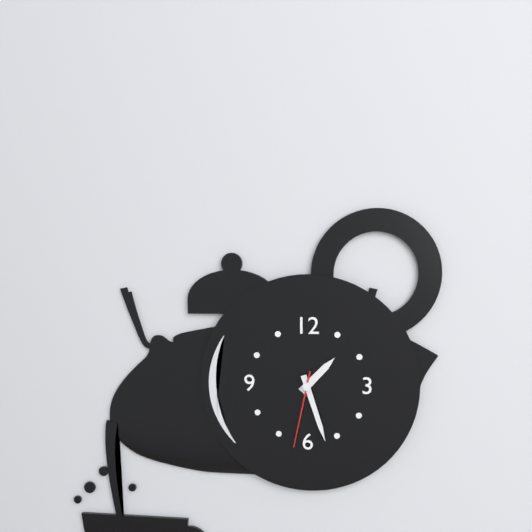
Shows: h=1 m=27 s=32
